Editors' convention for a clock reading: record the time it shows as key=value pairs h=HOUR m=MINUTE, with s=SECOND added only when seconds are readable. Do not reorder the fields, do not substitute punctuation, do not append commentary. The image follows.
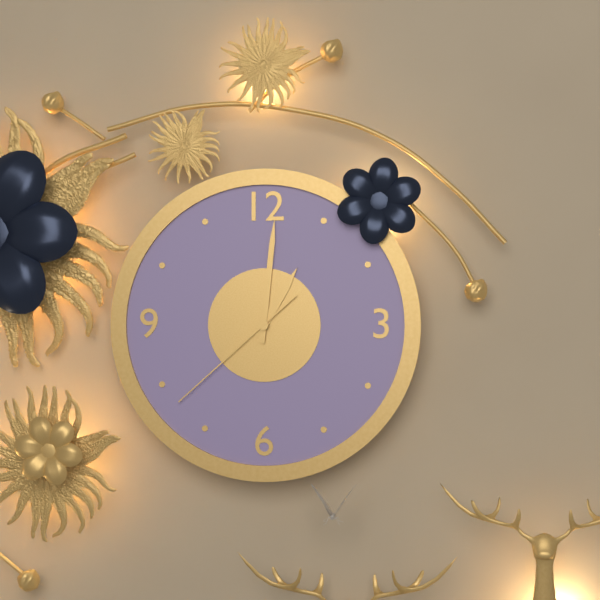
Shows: h=1 m=1 s=38
